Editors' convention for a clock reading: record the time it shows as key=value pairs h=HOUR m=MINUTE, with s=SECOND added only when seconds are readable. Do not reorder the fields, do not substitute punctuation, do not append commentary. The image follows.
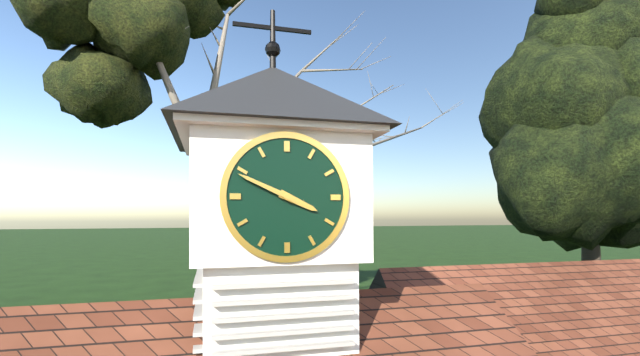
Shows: h=3 m=49
